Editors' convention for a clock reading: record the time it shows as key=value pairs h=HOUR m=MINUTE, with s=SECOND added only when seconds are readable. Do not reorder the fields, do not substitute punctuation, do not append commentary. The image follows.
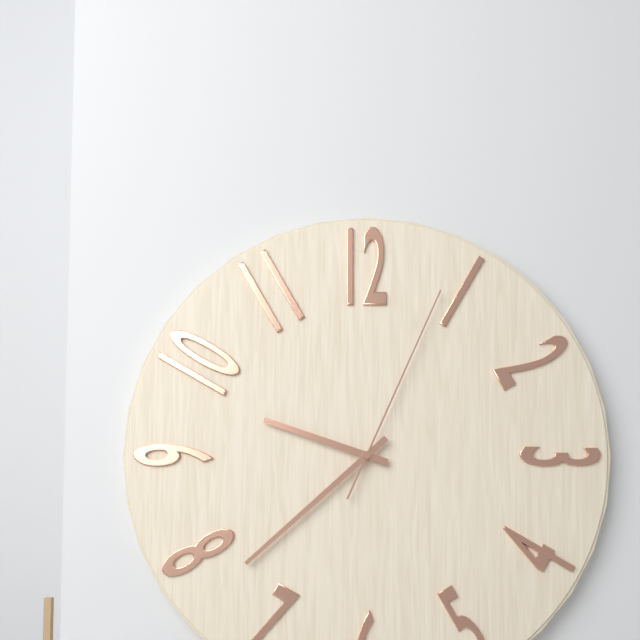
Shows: h=9 m=38 s=4
